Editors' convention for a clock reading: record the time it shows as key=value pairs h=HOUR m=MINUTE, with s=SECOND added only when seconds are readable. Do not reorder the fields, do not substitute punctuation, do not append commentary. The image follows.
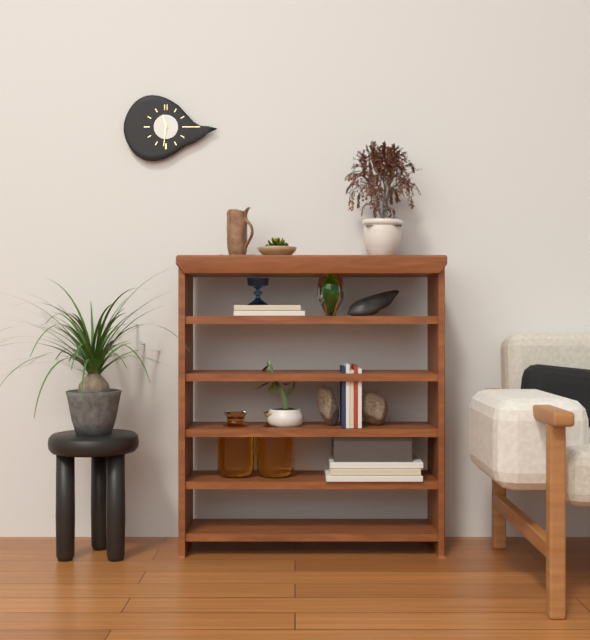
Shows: h=11 m=31
